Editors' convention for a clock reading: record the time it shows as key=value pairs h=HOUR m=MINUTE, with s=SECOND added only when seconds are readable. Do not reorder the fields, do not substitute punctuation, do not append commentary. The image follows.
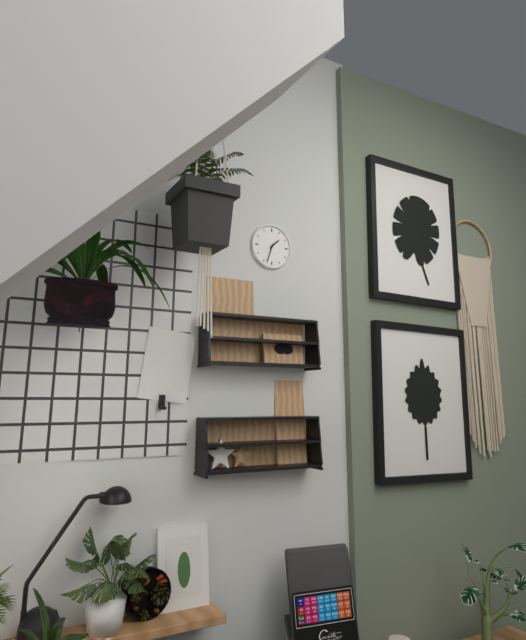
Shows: h=1 m=33
